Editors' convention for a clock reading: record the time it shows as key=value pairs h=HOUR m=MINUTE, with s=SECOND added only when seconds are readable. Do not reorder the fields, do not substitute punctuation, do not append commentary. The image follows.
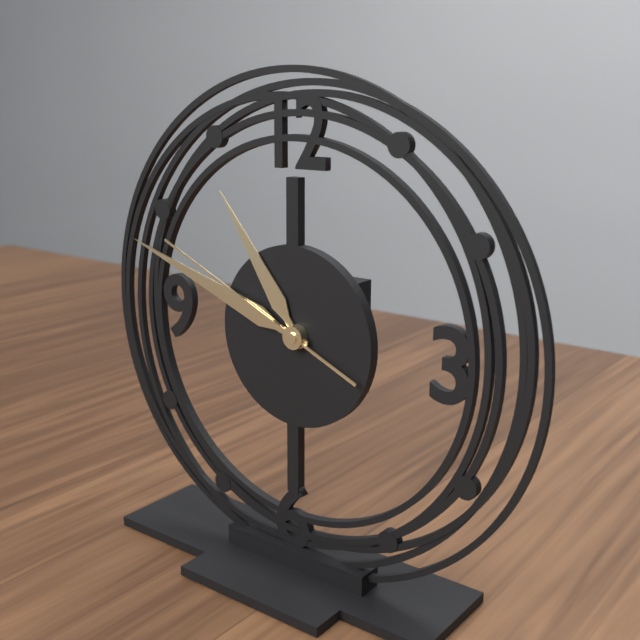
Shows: h=10 m=48 s=49
